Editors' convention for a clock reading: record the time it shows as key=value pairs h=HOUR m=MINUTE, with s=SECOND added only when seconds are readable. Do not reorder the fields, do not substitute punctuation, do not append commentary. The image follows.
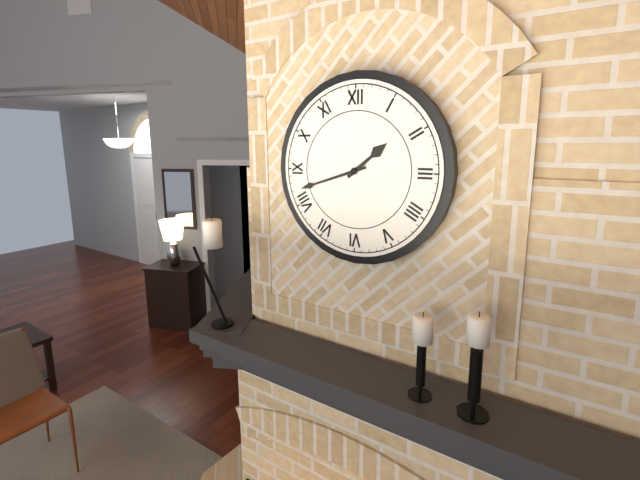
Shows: h=1 m=42
